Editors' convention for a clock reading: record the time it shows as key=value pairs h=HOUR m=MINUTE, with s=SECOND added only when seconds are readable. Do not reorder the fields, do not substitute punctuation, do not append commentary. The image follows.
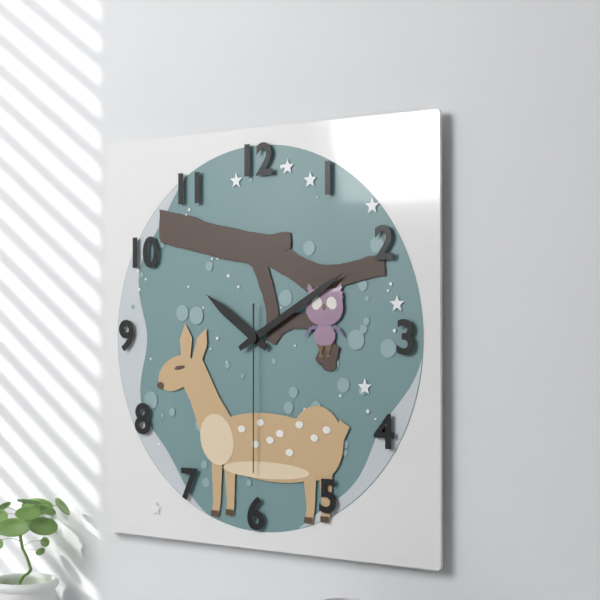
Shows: h=10 m=10 s=30
